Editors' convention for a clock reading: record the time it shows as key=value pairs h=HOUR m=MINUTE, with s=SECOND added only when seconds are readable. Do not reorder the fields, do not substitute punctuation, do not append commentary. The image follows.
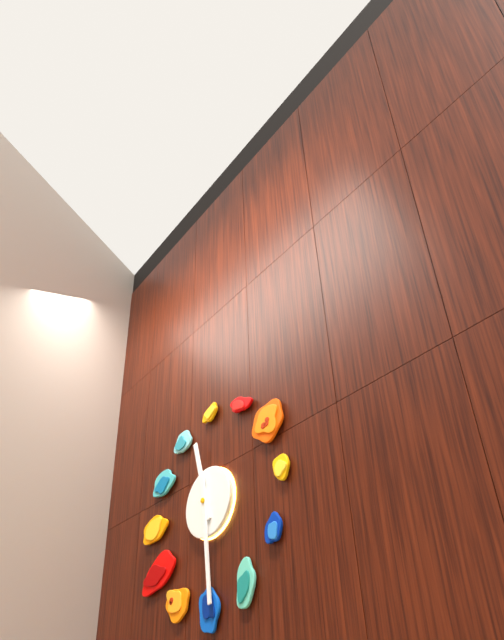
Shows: h=11 m=29
